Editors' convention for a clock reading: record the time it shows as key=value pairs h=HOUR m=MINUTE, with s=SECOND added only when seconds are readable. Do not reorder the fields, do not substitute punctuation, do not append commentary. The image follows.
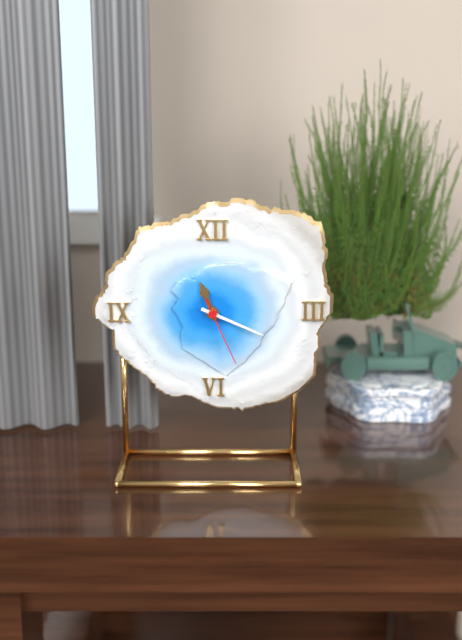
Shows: h=11 m=19 s=26
